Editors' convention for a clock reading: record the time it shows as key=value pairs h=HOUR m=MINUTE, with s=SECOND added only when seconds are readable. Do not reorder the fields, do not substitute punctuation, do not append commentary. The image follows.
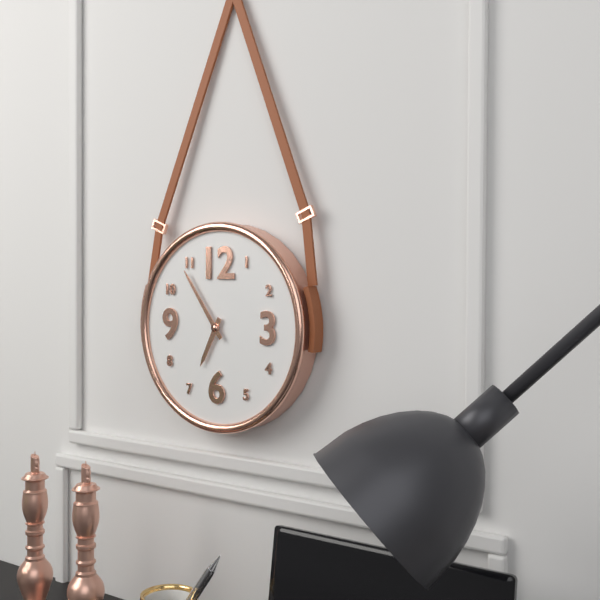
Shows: h=6 m=54
